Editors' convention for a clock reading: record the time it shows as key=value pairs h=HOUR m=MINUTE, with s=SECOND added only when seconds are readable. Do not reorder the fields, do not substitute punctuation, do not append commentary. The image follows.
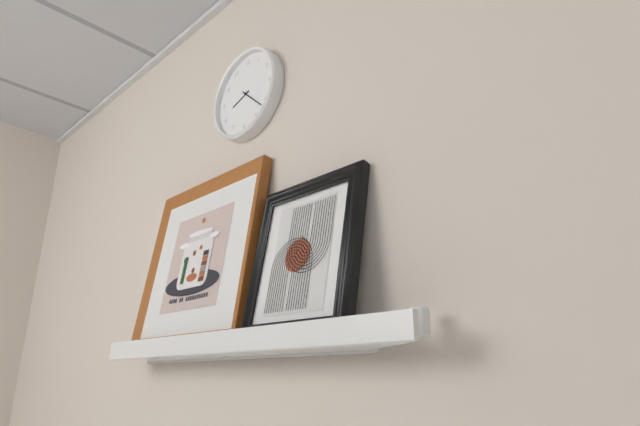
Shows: h=8 m=22
